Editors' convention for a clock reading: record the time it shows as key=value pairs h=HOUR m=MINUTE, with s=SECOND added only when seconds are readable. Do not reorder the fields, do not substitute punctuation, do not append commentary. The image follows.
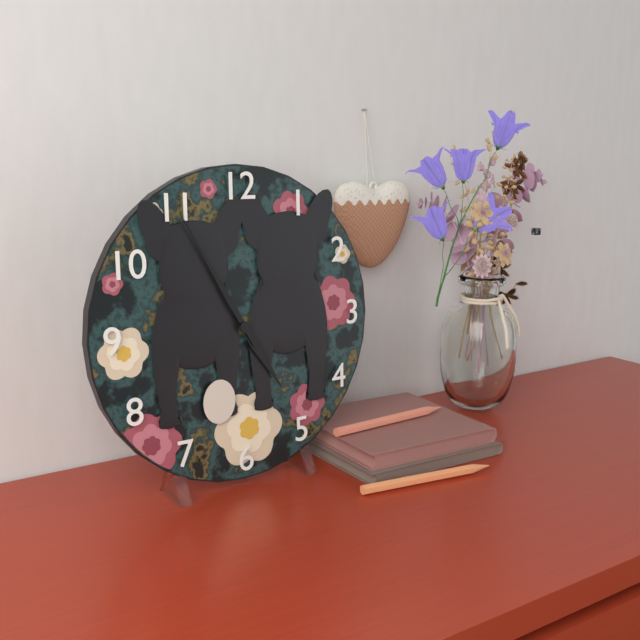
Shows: h=4 m=55
